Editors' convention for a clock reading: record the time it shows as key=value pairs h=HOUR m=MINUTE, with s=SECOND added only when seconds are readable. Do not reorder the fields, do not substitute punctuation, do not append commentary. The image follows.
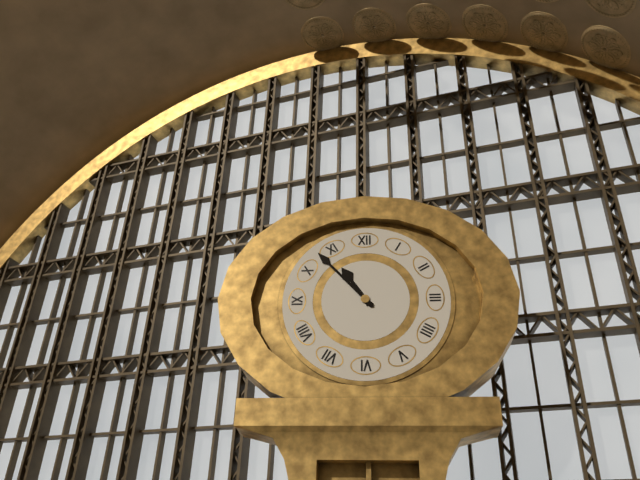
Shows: h=10 m=53
